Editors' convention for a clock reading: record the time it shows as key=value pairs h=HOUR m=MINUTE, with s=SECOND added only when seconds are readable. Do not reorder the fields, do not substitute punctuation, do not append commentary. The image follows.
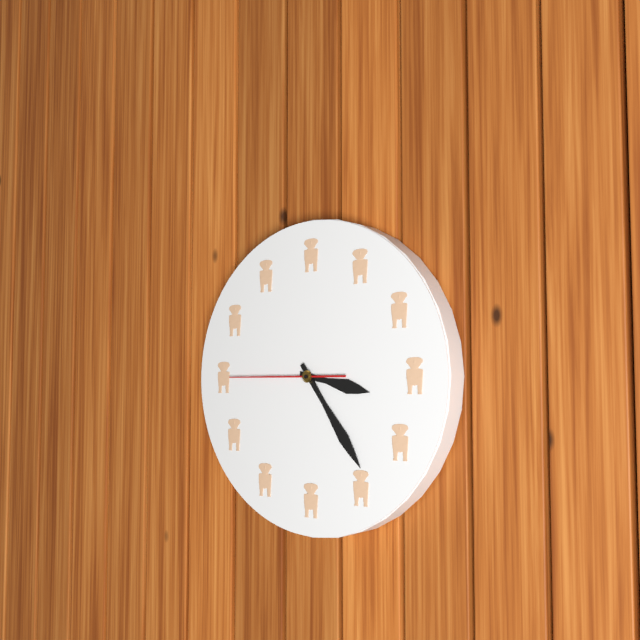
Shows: h=3 m=24 s=45
